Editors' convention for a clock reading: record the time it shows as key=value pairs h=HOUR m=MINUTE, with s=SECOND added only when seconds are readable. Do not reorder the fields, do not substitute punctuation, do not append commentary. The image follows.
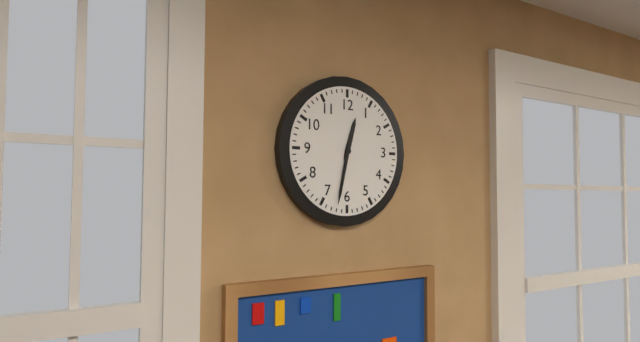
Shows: h=12 m=32
